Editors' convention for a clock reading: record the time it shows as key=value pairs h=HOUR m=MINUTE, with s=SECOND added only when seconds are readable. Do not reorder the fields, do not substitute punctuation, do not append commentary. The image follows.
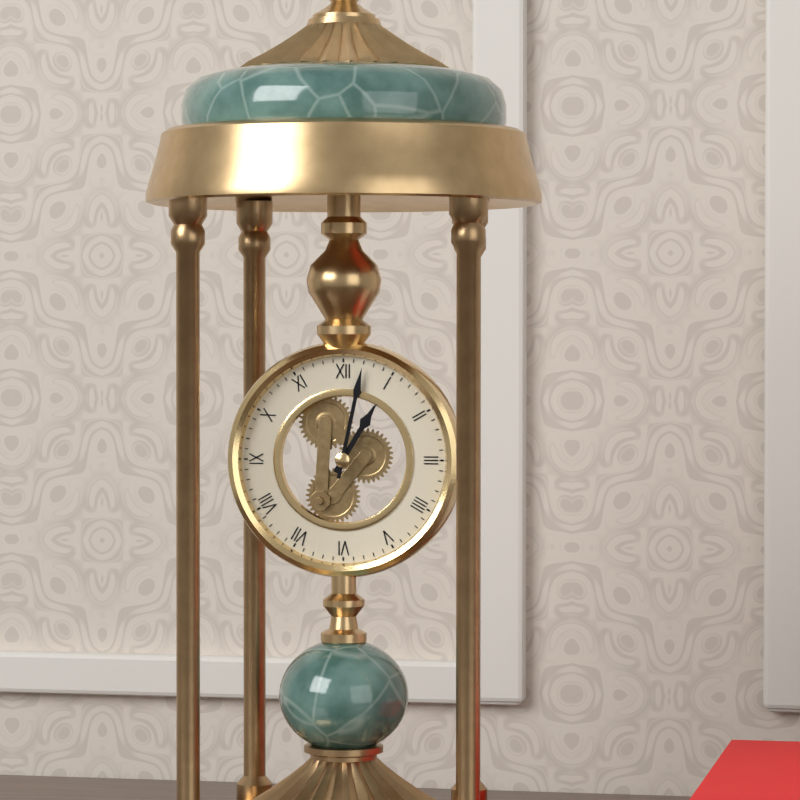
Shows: h=1 m=2
